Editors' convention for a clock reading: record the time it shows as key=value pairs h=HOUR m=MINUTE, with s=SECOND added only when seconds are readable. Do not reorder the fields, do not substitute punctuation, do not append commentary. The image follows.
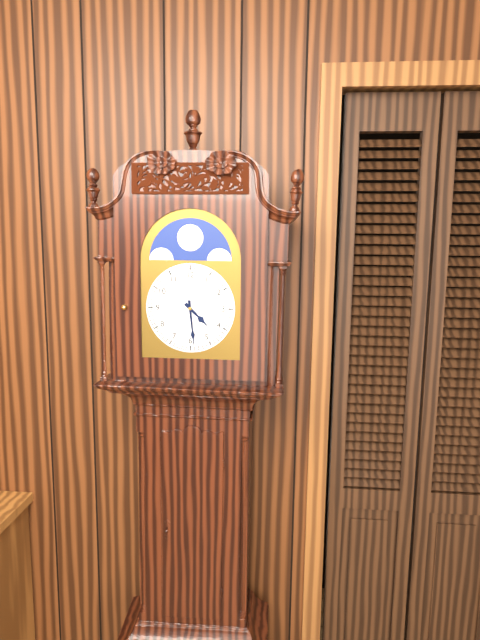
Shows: h=4 m=29
